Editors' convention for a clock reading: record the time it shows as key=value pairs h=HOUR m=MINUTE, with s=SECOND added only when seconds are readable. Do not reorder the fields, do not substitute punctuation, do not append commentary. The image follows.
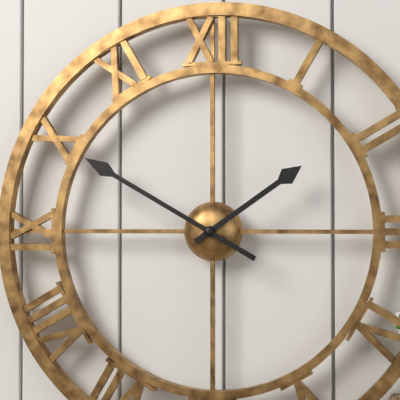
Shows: h=1 m=50
